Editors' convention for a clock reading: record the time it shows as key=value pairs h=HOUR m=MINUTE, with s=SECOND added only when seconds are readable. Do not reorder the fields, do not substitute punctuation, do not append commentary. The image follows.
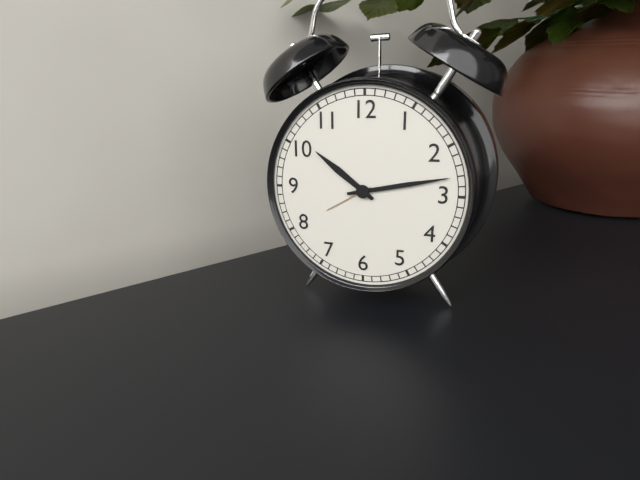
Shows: h=10 m=13
